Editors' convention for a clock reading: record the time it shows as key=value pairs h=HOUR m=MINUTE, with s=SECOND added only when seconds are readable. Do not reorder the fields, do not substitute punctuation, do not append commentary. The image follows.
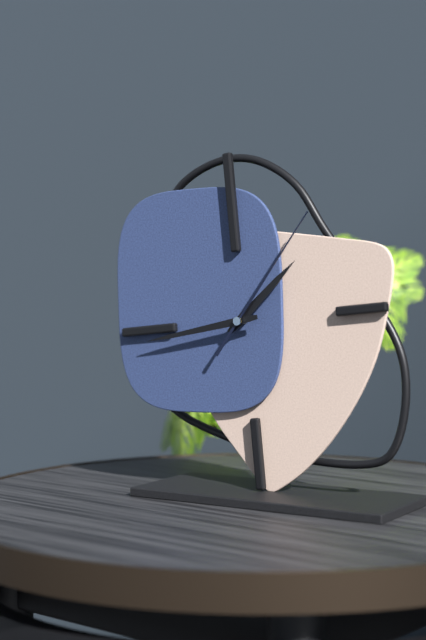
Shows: h=1 m=44 s=7
